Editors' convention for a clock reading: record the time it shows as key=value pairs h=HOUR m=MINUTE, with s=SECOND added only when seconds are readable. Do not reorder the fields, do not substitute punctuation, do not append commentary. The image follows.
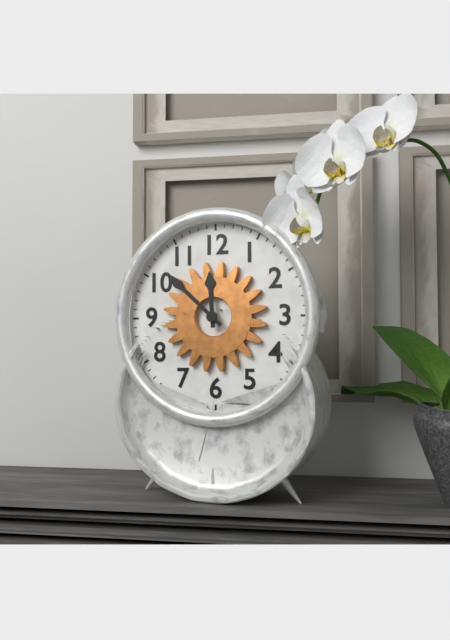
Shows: h=11 m=52
